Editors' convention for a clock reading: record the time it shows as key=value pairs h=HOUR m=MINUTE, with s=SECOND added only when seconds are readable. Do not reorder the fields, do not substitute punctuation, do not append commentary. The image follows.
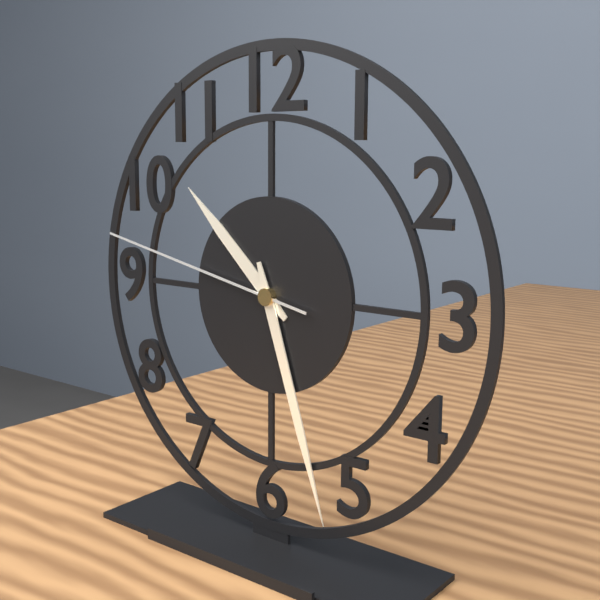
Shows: h=10 m=27 s=47
